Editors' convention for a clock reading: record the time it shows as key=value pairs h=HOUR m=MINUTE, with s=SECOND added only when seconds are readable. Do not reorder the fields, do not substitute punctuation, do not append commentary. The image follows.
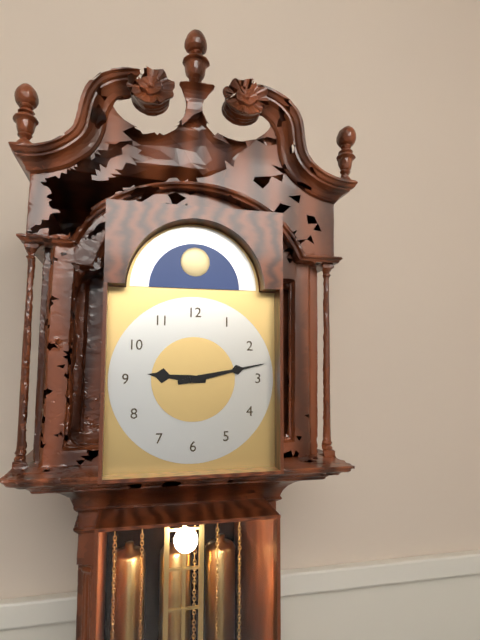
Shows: h=9 m=13
